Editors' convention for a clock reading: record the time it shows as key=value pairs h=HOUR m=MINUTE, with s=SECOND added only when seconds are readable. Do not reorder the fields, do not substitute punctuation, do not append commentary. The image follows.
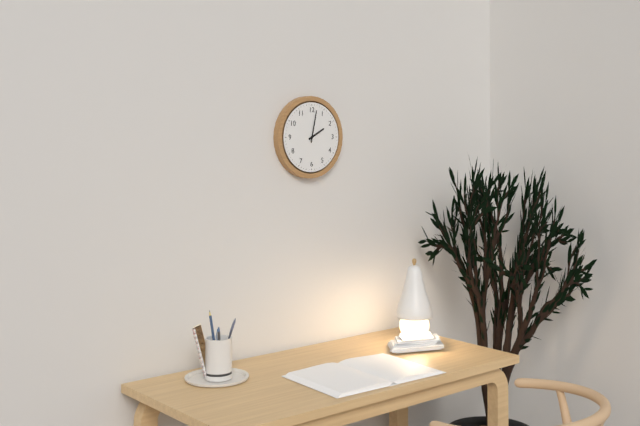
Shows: h=2 m=2
